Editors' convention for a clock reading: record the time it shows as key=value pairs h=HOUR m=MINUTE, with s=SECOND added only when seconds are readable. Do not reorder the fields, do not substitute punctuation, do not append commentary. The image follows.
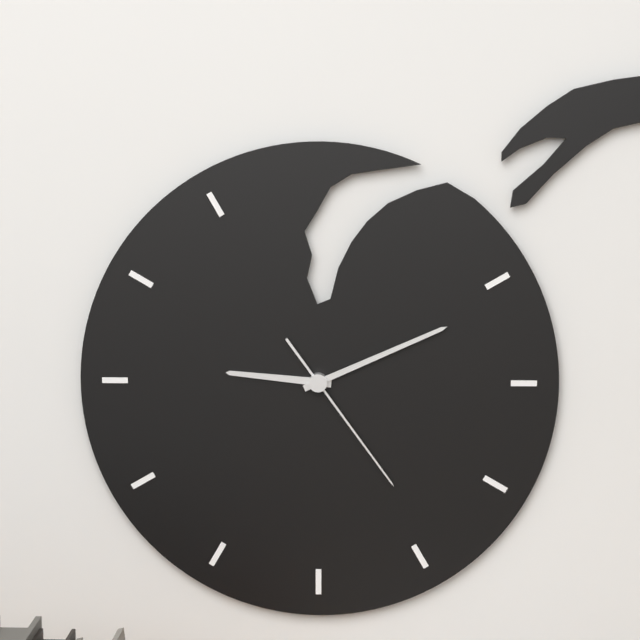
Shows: h=9 m=11 s=24
